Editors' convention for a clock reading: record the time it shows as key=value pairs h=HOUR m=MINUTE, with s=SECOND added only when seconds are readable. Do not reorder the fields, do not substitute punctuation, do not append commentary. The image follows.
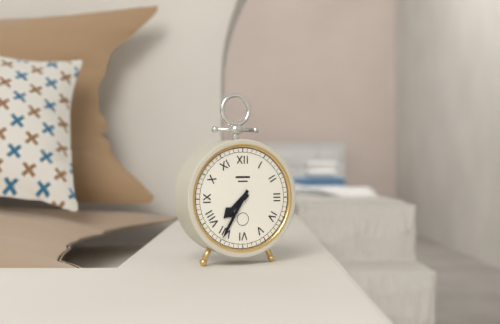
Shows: h=7 m=35
